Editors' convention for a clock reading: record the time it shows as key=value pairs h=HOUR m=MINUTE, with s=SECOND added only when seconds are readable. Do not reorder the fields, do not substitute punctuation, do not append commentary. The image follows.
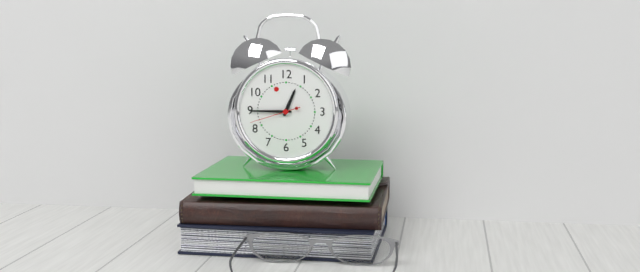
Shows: h=12 m=45
